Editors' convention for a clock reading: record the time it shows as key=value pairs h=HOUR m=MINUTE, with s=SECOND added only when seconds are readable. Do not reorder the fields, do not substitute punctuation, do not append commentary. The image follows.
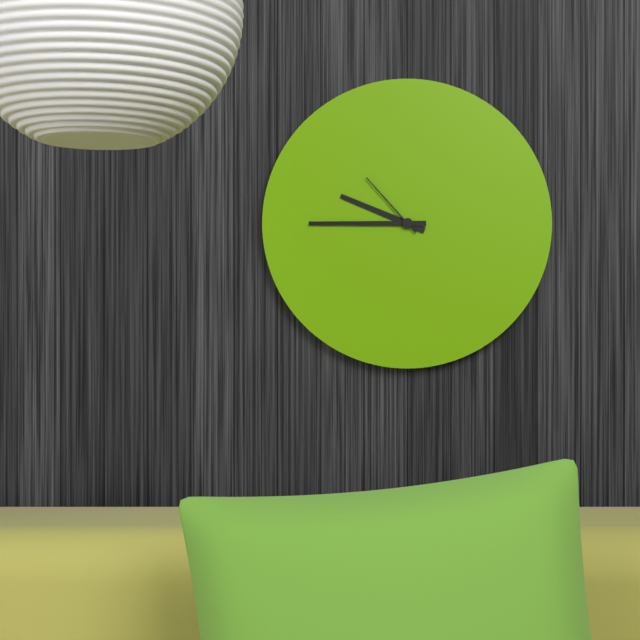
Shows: h=9 m=45 s=53
